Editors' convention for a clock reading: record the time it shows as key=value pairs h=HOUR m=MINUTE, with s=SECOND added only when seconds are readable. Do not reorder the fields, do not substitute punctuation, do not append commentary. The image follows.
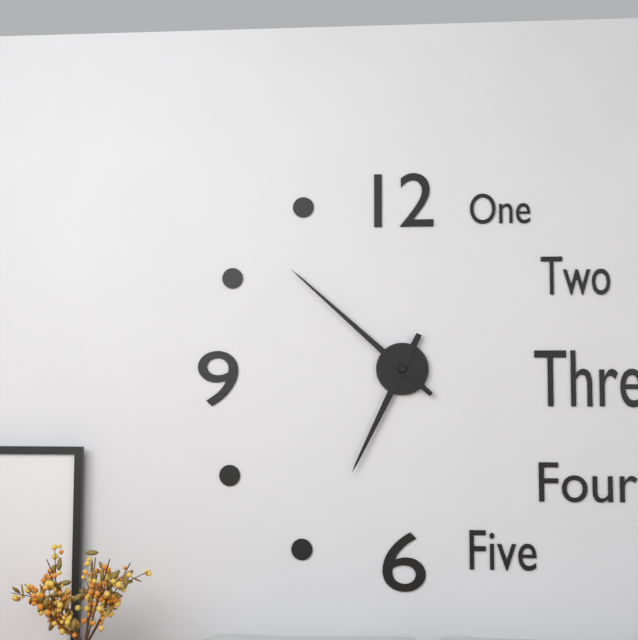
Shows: h=6 m=52
